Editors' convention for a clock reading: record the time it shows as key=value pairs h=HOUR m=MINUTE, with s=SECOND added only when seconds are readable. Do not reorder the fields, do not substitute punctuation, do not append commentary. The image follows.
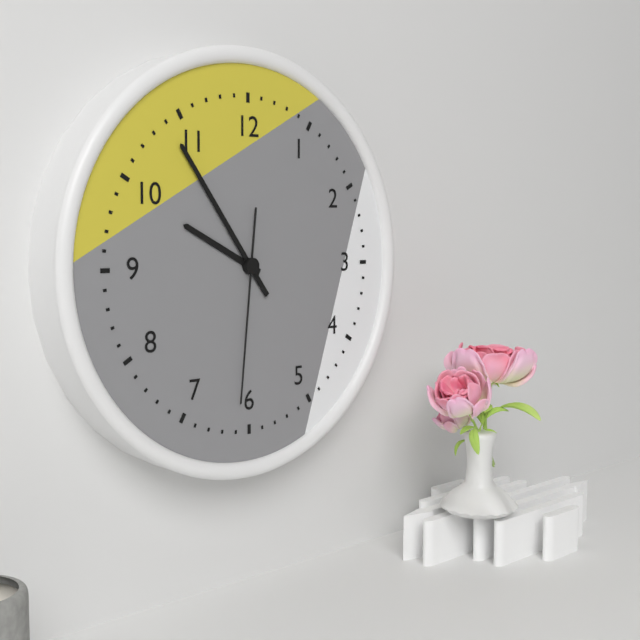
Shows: h=9 m=54 s=31
